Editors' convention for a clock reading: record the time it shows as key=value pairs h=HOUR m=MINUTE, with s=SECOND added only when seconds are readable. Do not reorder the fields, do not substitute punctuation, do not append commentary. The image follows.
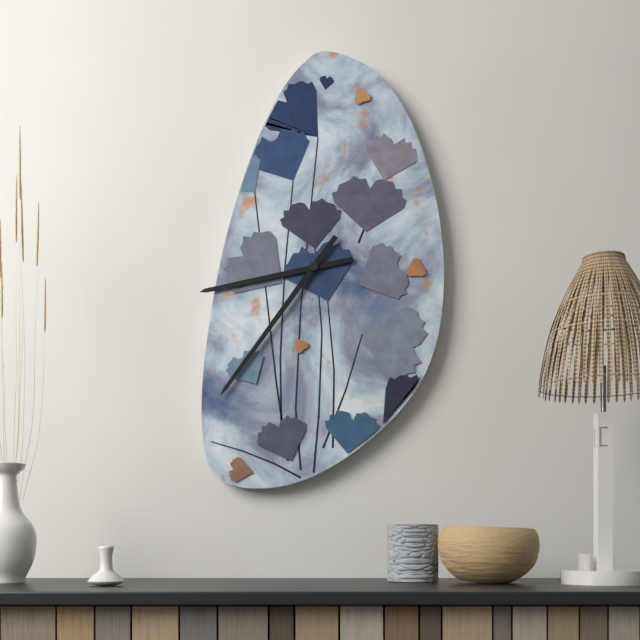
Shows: h=8 m=36
